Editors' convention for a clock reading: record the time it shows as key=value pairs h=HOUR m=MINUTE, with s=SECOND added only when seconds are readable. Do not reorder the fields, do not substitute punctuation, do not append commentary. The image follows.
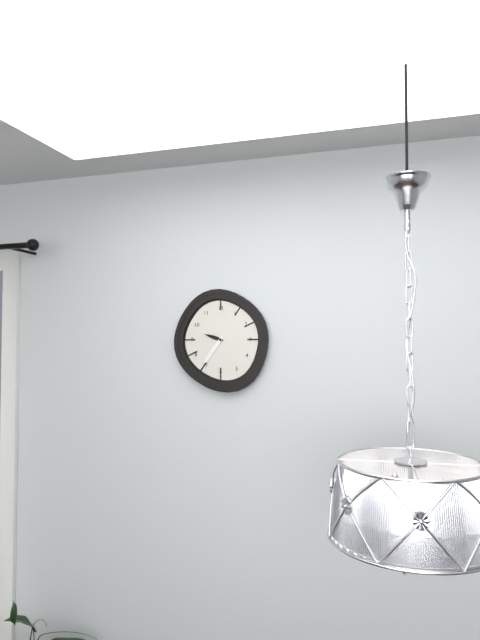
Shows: h=9 m=36
